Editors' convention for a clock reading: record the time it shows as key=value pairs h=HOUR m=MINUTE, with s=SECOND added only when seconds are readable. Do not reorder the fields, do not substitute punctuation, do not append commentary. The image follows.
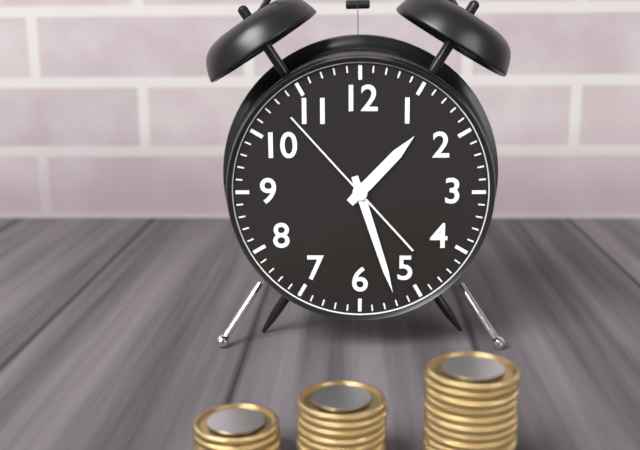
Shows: h=1 m=27 s=53
